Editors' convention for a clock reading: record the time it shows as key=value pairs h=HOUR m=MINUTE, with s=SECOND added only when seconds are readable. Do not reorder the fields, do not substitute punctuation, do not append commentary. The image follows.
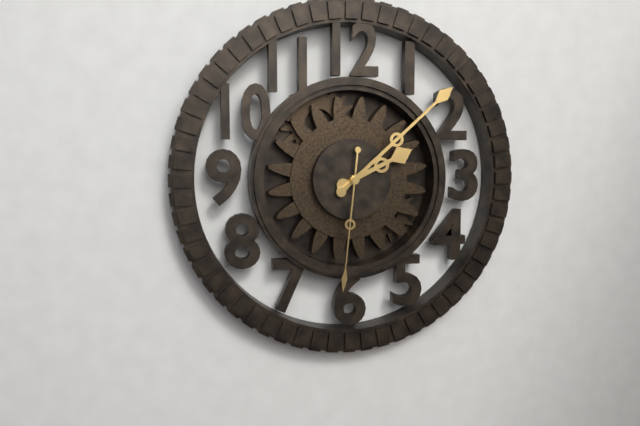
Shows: h=2 m=8 s=31
